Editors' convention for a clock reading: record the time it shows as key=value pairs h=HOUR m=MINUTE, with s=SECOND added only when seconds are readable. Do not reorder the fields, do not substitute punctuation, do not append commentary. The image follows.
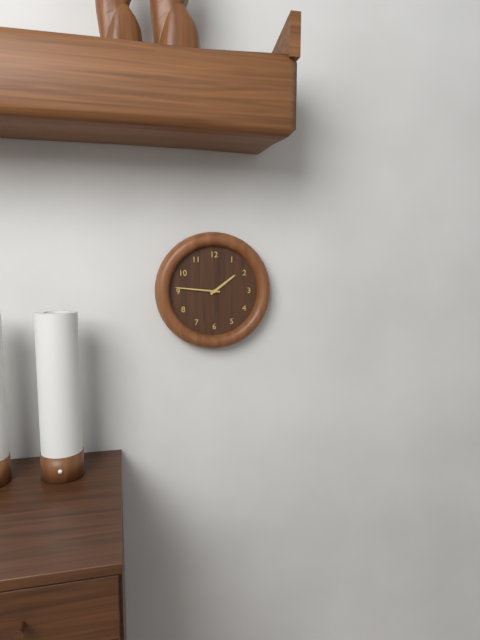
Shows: h=1 m=46
